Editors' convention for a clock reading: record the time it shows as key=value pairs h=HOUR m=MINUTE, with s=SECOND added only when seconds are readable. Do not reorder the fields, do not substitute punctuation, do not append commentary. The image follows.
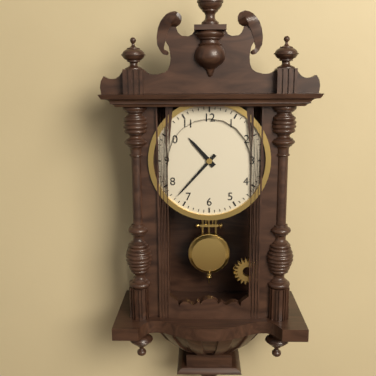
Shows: h=10 m=37
